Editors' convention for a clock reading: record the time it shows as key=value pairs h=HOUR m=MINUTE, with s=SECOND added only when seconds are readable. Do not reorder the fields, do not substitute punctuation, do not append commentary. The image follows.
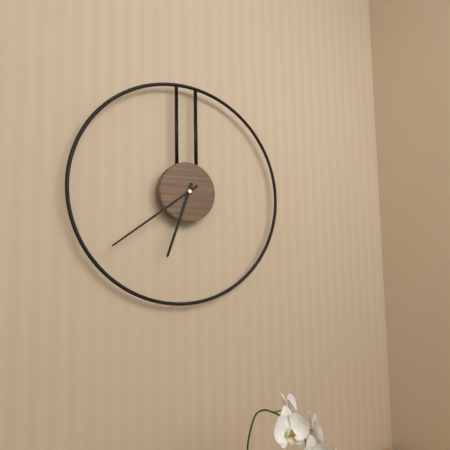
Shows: h=6 m=39
